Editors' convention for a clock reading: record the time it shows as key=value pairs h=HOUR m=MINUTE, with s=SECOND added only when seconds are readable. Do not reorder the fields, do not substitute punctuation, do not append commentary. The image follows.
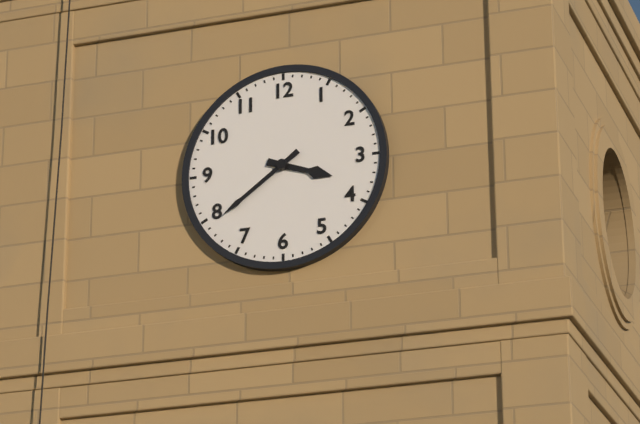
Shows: h=3 m=39
